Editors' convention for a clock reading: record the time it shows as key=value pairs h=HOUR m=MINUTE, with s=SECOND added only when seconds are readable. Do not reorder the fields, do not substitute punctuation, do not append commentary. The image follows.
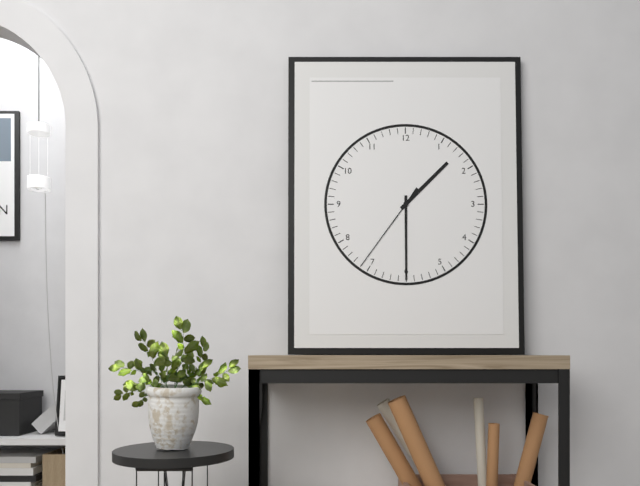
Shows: h=1 m=30 s=36
